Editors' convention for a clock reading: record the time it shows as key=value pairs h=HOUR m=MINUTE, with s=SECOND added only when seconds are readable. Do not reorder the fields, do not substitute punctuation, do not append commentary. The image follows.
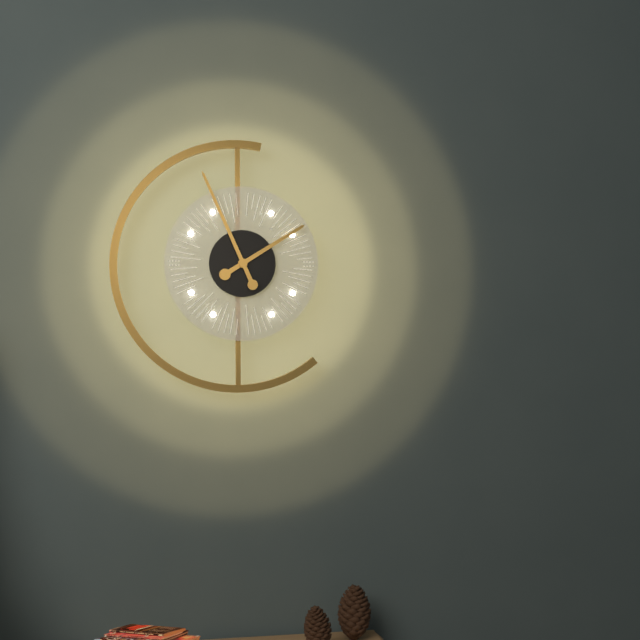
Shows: h=1 m=56
